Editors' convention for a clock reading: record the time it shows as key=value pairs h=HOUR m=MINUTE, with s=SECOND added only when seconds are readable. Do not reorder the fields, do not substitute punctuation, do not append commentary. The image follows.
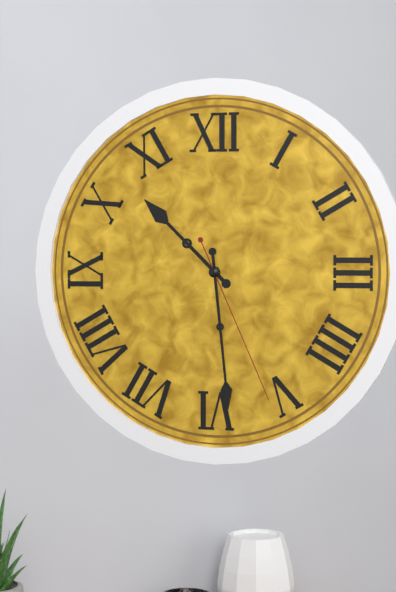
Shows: h=10 m=29 s=26
